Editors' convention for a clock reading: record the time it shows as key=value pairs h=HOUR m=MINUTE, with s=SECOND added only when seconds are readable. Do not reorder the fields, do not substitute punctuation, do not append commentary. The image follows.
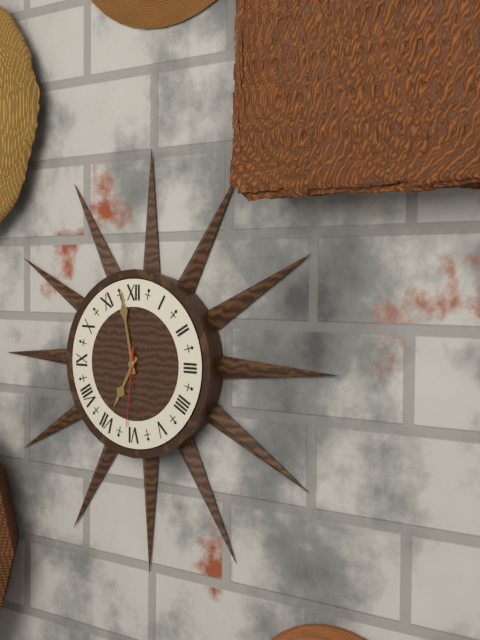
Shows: h=6 m=58 s=31
